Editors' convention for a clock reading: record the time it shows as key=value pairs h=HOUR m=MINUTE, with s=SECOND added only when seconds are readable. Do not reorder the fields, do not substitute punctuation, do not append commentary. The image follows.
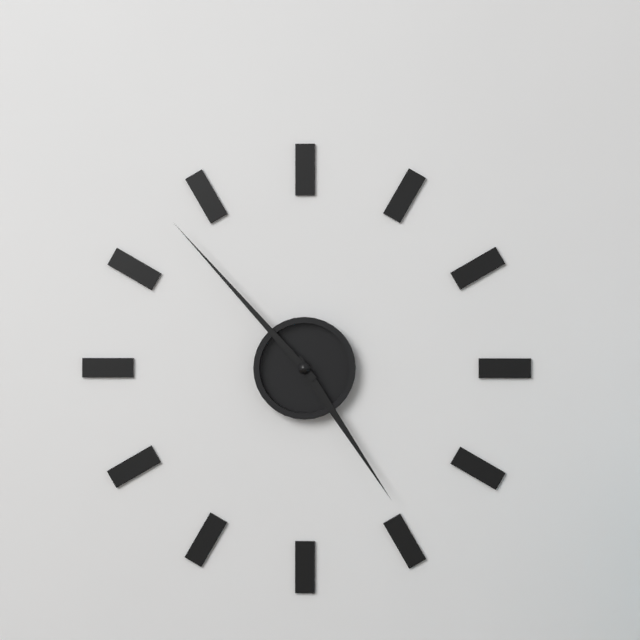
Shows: h=4 m=53
